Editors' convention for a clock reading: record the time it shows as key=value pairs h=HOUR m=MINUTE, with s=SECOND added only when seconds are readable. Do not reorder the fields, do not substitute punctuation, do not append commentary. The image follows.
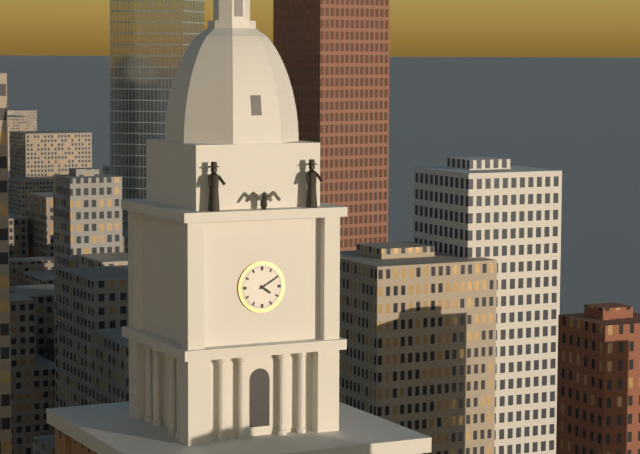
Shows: h=4 m=10
